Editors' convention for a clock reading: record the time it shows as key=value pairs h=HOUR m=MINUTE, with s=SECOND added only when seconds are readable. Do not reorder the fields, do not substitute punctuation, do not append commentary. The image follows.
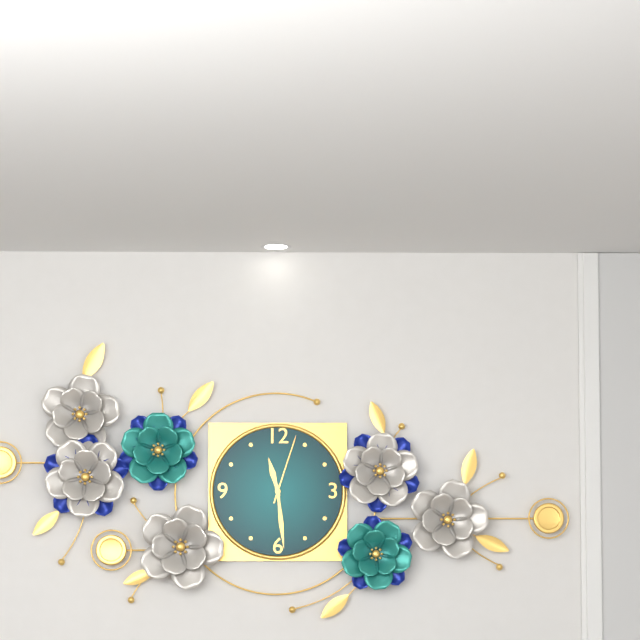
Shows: h=11 m=29 s=3
